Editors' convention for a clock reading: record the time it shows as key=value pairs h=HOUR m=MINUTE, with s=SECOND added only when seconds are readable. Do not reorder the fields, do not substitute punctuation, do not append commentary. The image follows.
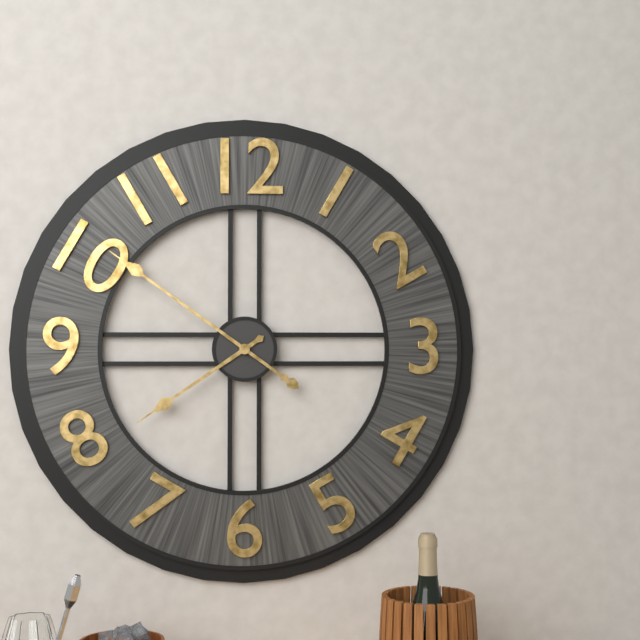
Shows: h=7 m=51
